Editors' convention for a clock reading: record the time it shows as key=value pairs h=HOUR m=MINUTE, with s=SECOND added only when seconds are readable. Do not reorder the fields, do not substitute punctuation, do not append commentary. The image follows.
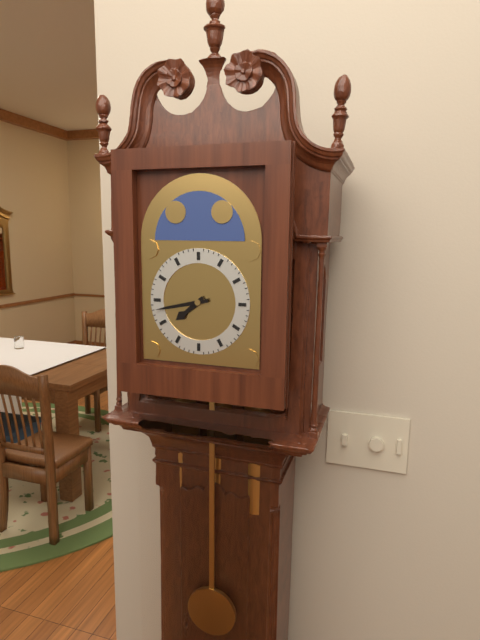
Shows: h=7 m=43
